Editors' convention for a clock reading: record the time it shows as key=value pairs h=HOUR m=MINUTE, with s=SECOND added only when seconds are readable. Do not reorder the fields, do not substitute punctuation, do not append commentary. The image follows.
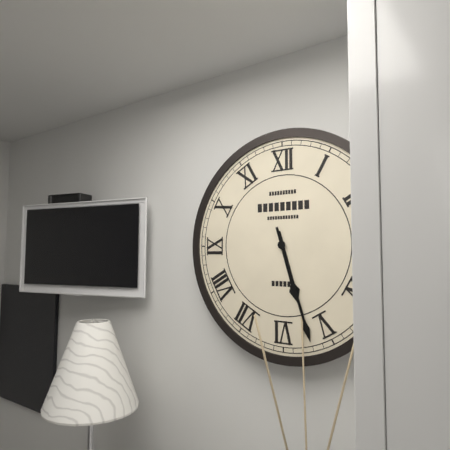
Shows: h=5 m=27
